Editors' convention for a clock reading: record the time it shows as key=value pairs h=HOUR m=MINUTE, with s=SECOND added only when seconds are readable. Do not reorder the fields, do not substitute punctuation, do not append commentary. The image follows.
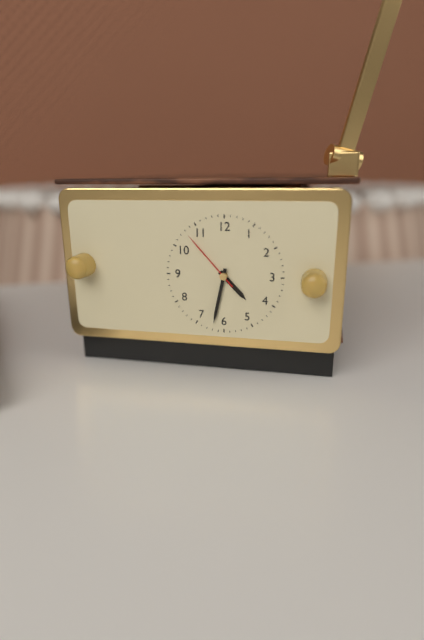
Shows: h=4 m=32 s=53
